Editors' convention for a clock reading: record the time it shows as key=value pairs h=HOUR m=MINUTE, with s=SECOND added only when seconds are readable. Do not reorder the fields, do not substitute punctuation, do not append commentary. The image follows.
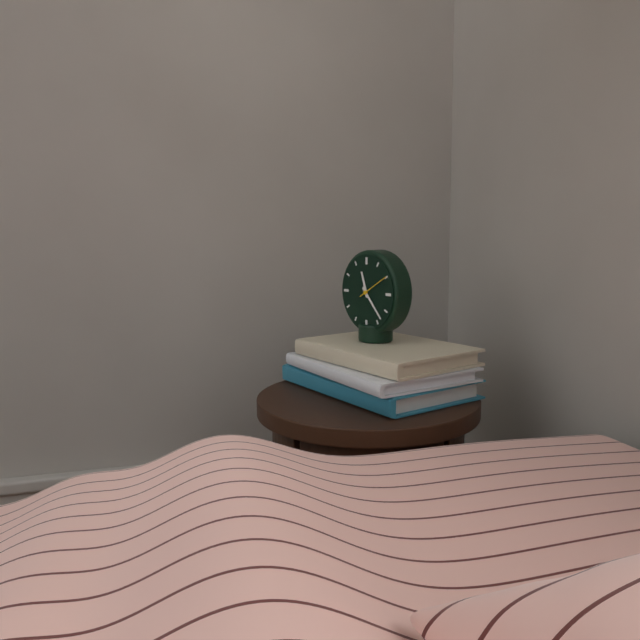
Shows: h=11 m=23
